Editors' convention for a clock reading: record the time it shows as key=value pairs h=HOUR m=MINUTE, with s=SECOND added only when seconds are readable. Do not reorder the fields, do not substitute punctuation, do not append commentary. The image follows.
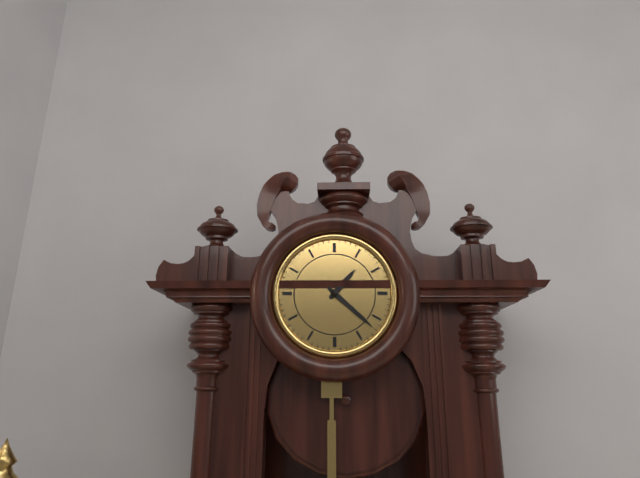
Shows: h=1 m=22
